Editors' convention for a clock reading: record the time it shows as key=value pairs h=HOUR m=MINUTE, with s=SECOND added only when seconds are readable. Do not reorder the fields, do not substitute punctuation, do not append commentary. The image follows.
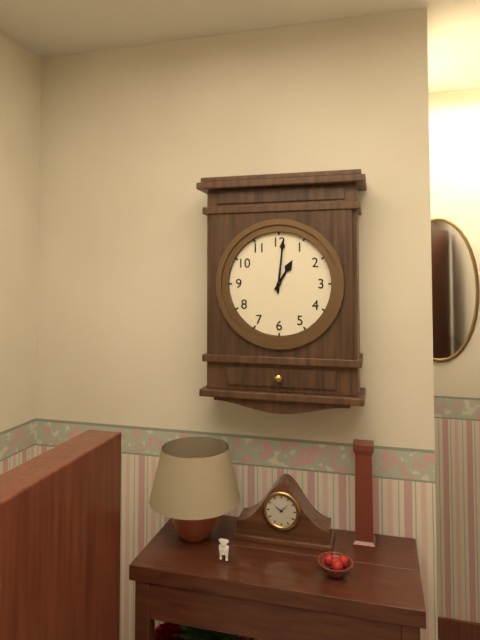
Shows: h=1 m=1
